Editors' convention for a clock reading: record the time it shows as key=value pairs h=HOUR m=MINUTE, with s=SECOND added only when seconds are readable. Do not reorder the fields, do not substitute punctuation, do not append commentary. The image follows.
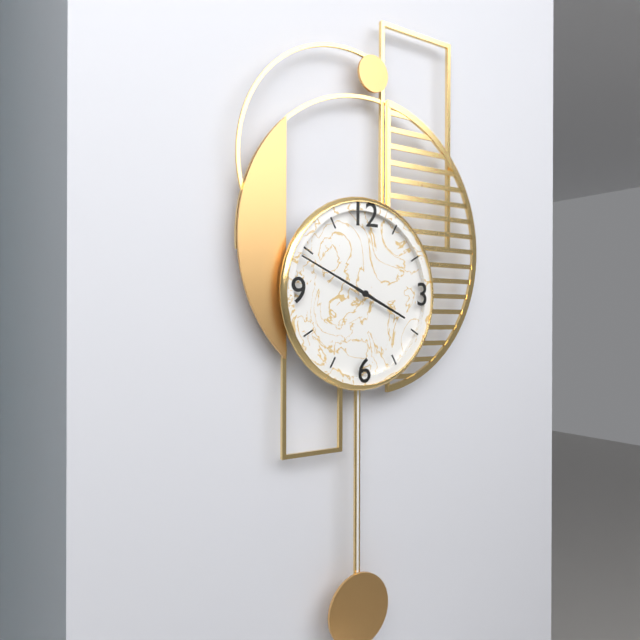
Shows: h=3 m=49
